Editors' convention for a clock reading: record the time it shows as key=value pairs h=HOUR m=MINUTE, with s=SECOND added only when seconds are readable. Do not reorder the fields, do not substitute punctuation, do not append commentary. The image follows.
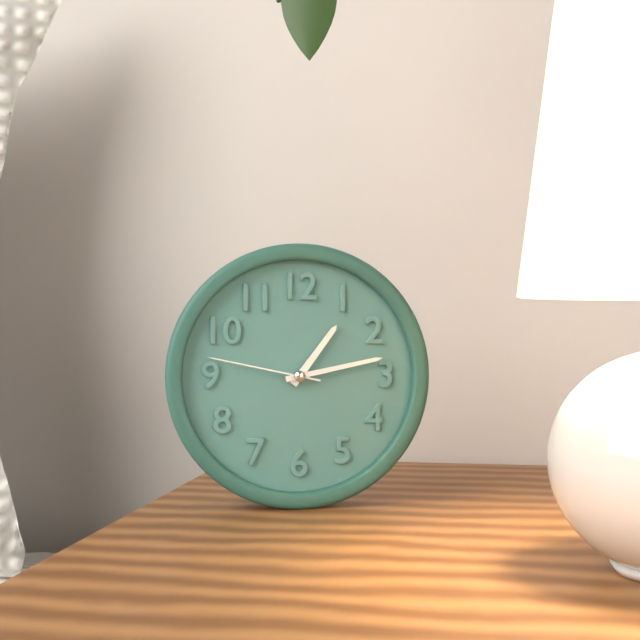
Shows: h=1 m=13 s=47
